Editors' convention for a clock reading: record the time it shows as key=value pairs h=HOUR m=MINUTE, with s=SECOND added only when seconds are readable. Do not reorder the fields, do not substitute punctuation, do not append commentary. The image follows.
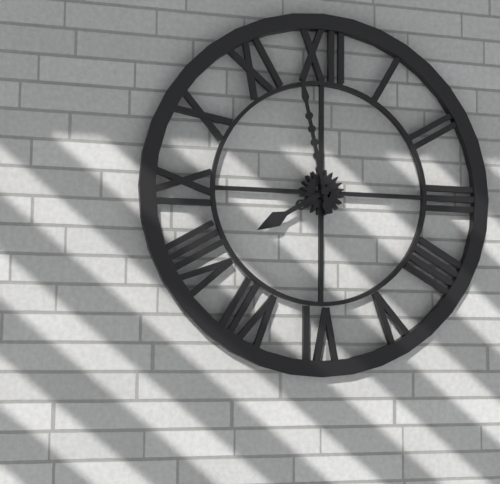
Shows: h=7 m=58
